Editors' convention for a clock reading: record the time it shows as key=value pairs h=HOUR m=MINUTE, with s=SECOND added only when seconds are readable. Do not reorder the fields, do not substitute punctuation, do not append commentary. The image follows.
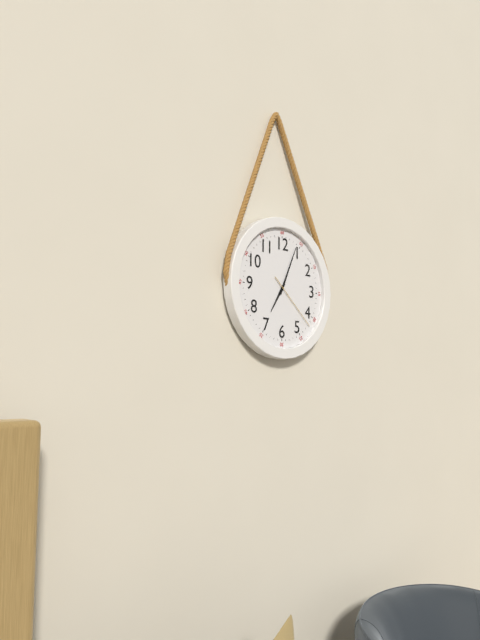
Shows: h=7 m=4 s=22
